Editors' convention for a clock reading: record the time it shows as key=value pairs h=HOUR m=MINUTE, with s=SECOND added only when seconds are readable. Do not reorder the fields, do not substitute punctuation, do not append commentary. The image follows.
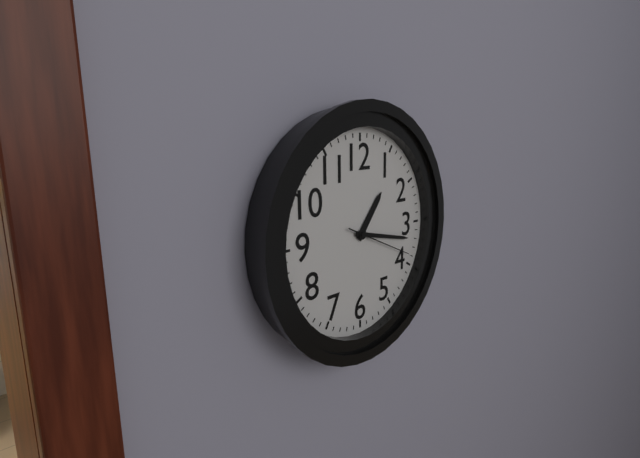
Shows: h=1 m=17 s=19
